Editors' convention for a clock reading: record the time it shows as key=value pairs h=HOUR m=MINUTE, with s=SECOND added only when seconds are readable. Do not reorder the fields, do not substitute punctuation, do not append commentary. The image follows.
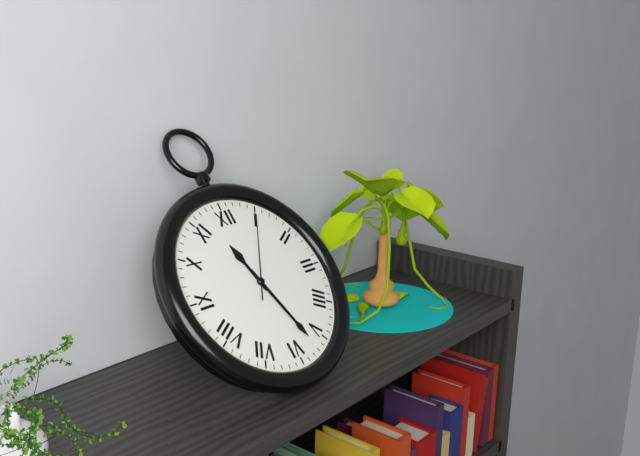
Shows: h=11 m=27 s=5
